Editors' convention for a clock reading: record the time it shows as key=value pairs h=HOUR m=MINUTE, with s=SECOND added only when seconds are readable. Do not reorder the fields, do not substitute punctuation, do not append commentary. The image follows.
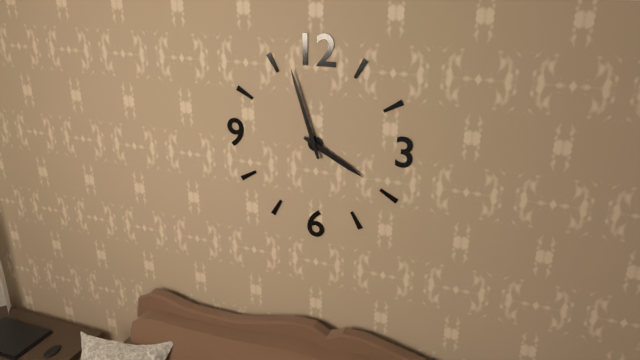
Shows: h=3 m=57
